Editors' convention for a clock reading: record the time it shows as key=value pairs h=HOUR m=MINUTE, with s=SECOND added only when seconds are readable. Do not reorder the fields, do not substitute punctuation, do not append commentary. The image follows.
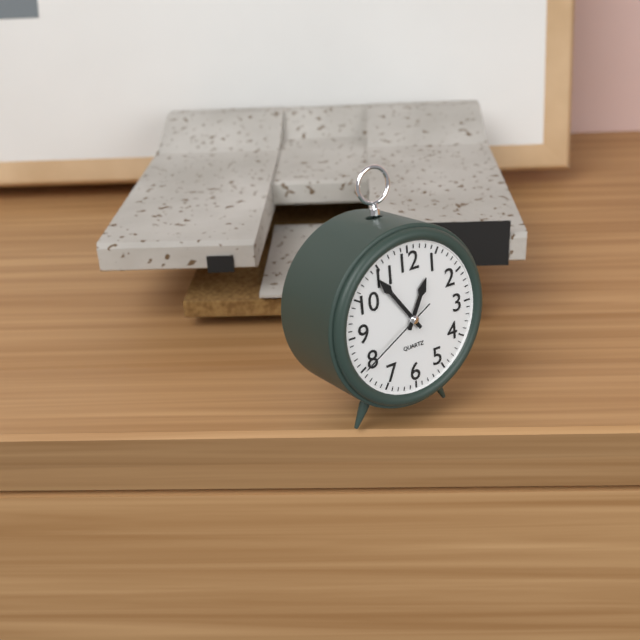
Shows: h=12 m=54 s=40
